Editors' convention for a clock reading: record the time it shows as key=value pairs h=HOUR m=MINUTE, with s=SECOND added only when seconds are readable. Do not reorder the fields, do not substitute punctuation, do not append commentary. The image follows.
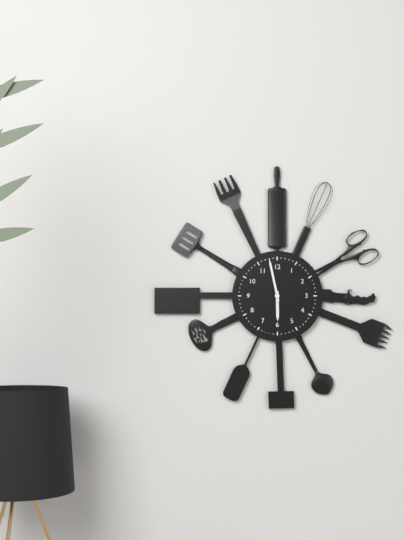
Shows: h=5 m=58
